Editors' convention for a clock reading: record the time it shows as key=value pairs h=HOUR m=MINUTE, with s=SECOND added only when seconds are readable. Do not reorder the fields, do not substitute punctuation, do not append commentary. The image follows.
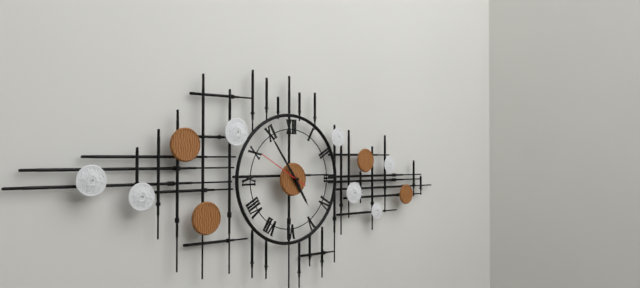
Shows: h=4 m=54 s=50
